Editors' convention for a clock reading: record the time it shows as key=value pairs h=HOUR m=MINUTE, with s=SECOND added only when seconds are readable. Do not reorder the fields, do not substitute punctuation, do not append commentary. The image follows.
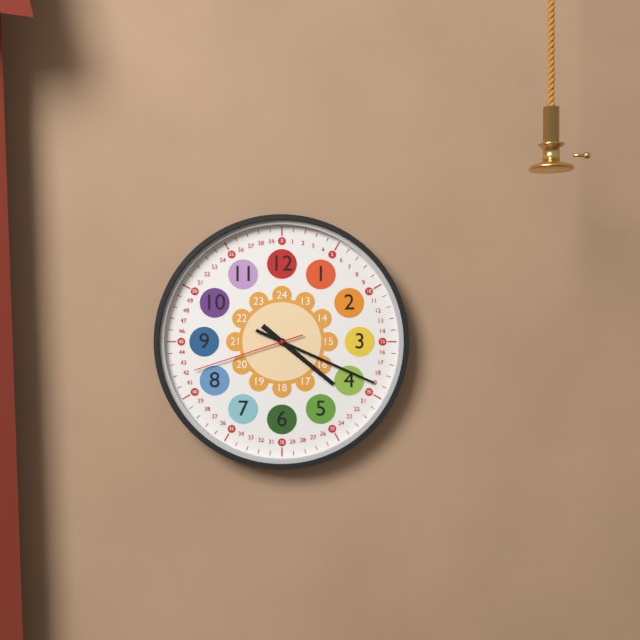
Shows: h=4 m=19 s=42
